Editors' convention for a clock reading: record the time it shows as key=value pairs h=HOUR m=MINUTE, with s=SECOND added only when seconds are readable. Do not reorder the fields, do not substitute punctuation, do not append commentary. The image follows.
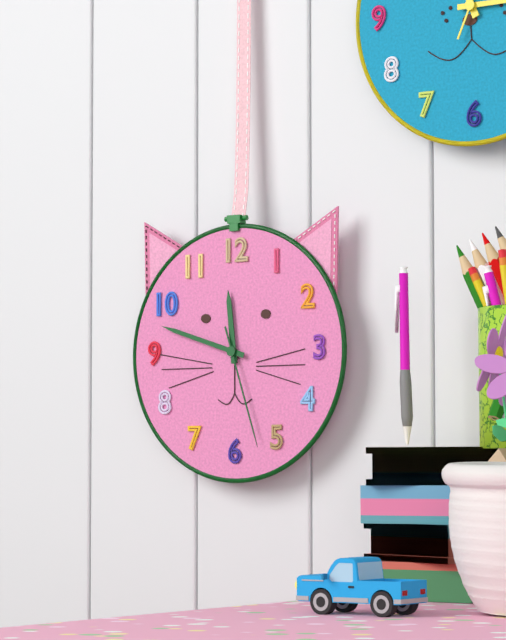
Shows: h=11 m=48 s=27
